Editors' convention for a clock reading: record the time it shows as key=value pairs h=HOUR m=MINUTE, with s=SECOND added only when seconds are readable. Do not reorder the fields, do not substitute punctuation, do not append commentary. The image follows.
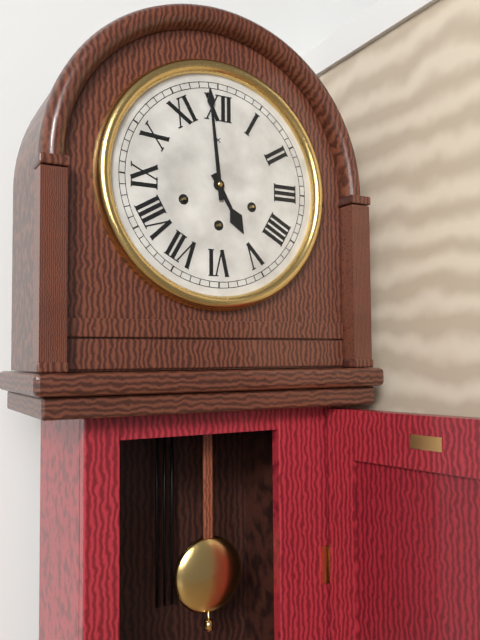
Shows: h=4 m=59
